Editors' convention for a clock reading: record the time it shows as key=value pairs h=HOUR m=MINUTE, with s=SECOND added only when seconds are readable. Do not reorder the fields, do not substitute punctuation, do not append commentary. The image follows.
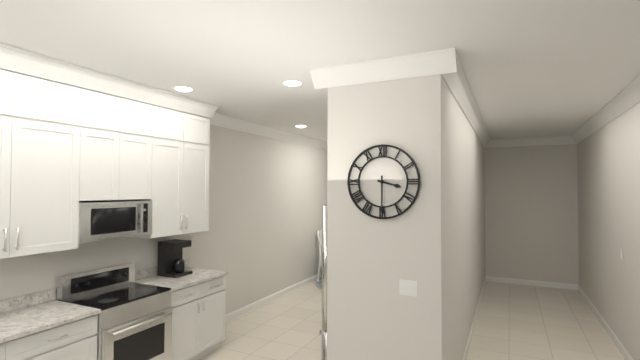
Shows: h=3 m=30
